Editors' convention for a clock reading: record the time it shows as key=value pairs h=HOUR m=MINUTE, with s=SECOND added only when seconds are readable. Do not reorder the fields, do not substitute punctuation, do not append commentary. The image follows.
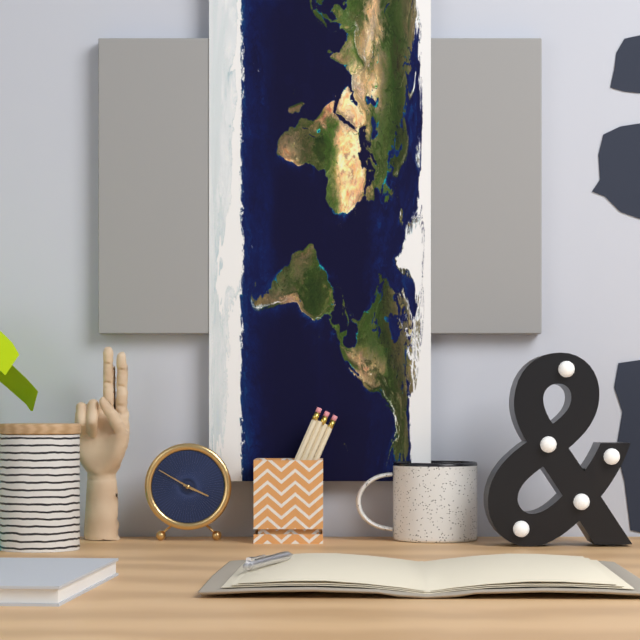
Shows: h=3 m=50
